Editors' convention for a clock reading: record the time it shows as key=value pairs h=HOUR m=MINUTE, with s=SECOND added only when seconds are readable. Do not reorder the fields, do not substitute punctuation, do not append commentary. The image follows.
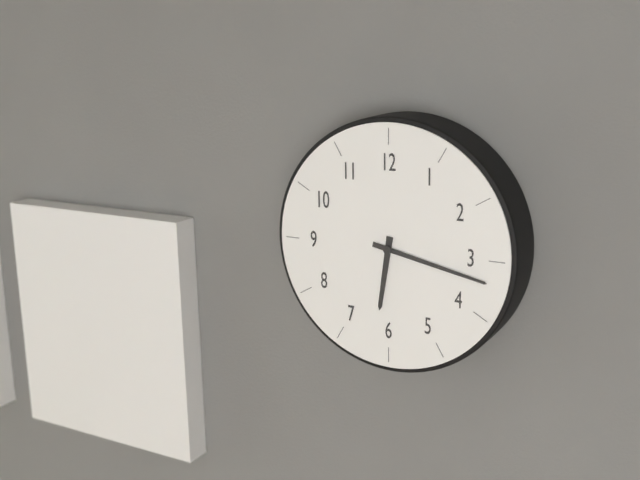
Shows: h=6 m=17
